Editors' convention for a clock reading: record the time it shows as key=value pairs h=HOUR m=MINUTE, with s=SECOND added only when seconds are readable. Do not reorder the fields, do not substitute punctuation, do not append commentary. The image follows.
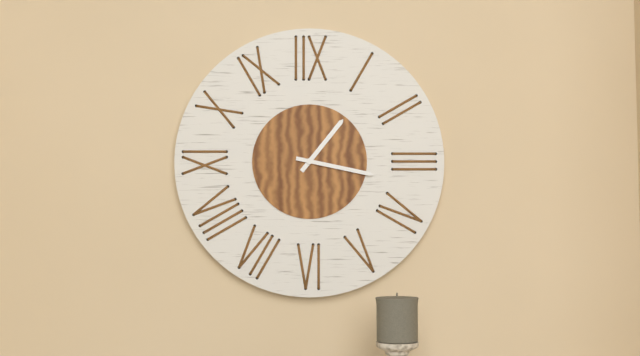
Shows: h=1 m=17
